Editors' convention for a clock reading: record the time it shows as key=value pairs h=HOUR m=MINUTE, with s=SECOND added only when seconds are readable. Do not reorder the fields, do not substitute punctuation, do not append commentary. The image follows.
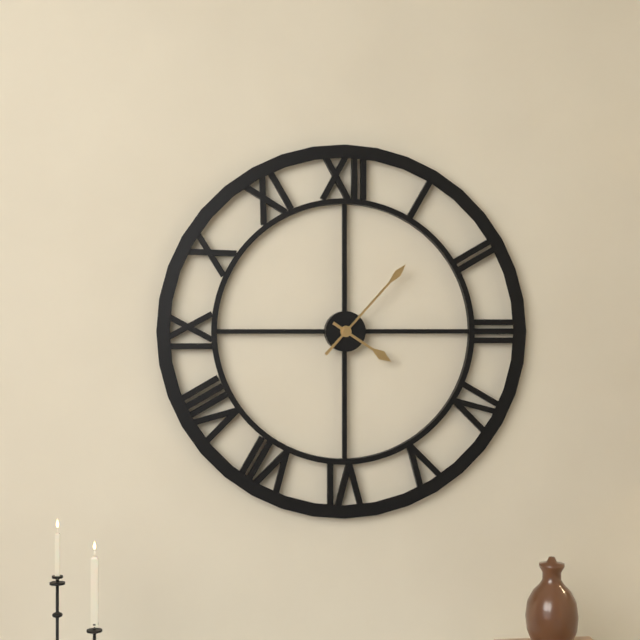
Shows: h=4 m=7
